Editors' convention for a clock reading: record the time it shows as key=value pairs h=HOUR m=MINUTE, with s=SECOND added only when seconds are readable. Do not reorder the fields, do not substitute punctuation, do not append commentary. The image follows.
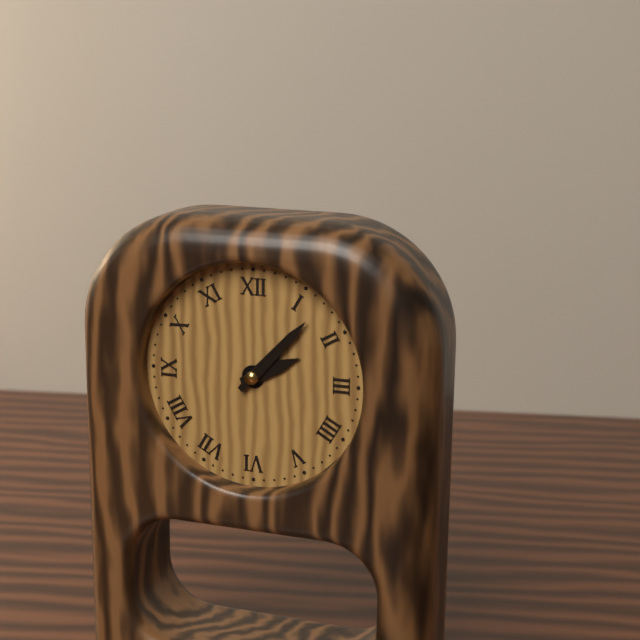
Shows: h=2 m=7
